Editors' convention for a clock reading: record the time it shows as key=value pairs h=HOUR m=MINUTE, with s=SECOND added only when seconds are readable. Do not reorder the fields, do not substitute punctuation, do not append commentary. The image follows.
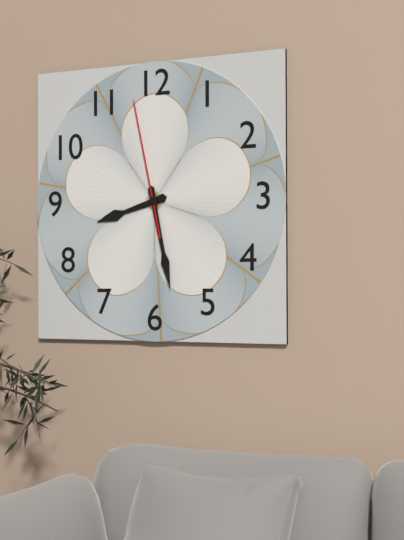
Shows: h=8 m=28 s=58
